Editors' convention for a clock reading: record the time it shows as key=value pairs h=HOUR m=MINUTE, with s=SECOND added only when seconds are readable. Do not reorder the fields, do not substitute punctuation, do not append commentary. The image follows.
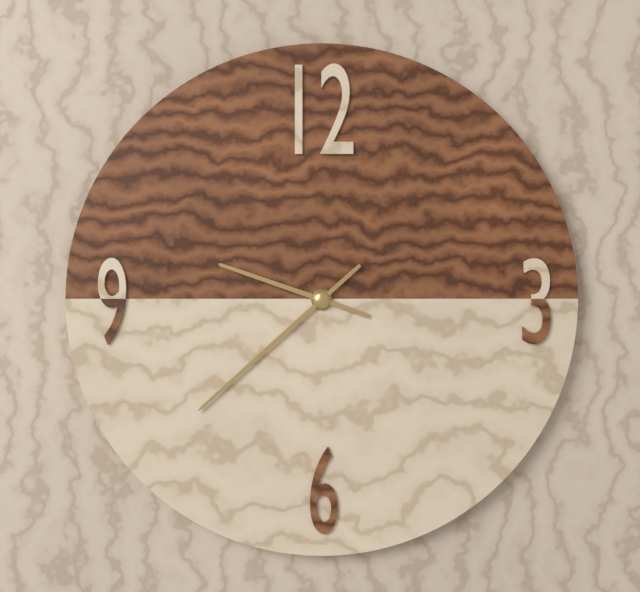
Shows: h=9 m=38
